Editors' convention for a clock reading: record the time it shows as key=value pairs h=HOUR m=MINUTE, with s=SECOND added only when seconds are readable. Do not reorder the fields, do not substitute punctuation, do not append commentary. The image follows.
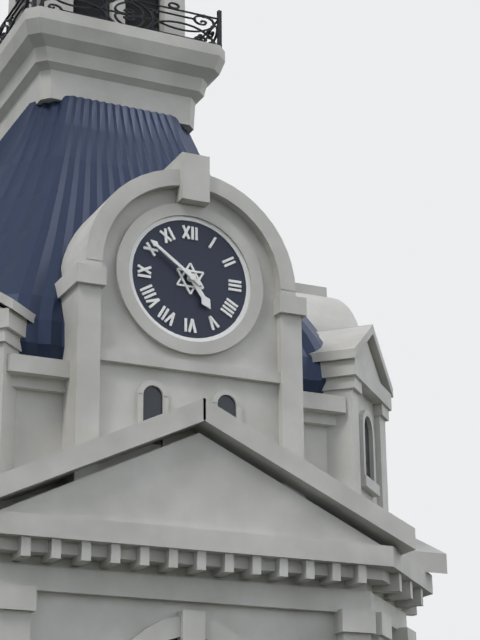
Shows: h=4 m=51
